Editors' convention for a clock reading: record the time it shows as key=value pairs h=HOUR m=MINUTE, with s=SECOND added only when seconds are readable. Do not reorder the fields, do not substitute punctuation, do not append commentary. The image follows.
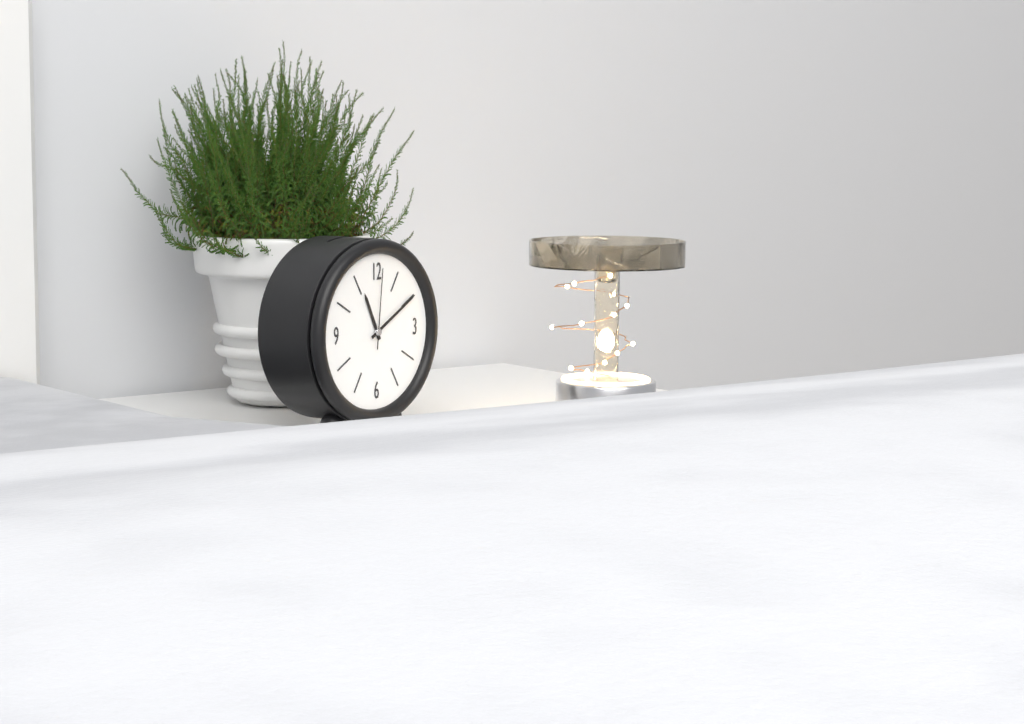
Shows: h=11 m=10 s=1
